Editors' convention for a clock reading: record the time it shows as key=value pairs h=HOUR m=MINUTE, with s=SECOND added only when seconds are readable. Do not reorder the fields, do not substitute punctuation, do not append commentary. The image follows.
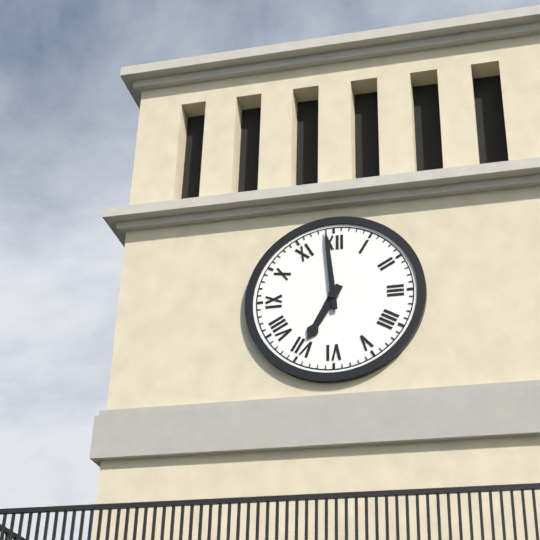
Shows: h=6 m=59
